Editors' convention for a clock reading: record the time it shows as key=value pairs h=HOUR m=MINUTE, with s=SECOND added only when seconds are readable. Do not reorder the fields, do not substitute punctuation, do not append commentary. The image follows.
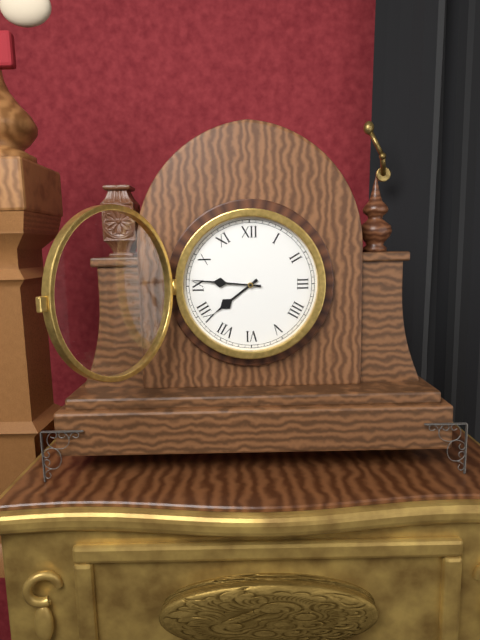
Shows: h=7 m=46
